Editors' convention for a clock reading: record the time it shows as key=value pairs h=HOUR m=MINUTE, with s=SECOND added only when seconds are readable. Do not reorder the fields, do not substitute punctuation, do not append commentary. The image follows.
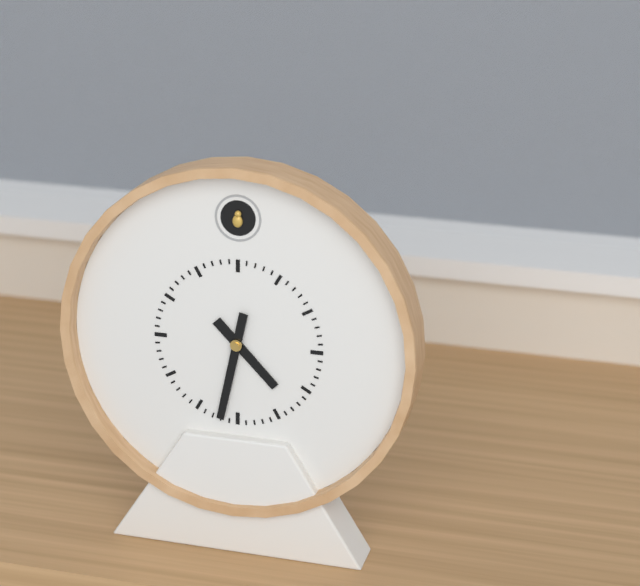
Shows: h=4 m=32
